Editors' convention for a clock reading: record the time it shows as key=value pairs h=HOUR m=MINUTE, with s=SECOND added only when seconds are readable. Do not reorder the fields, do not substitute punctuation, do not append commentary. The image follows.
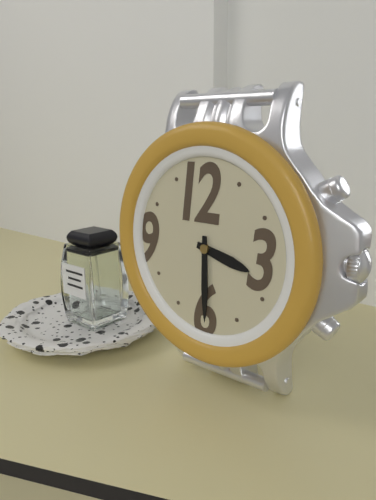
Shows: h=3 m=30
